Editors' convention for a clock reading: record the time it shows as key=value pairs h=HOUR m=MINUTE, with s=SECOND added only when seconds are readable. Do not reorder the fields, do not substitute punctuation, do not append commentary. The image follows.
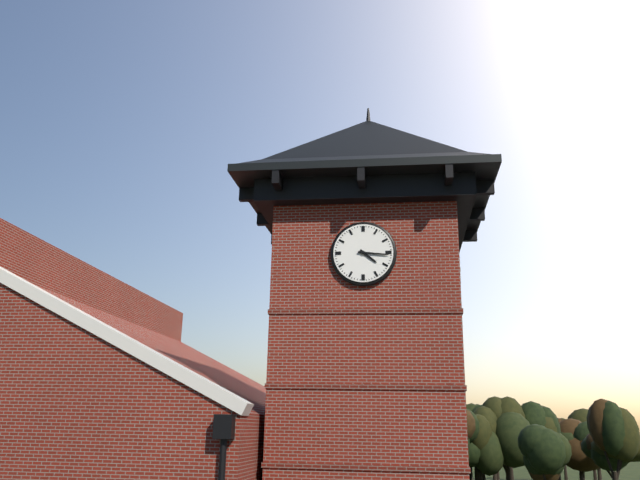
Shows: h=4 m=16
